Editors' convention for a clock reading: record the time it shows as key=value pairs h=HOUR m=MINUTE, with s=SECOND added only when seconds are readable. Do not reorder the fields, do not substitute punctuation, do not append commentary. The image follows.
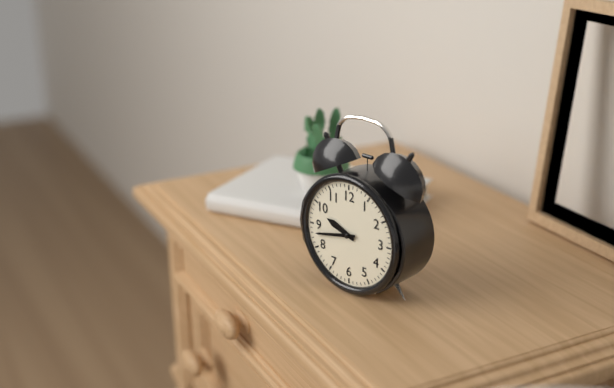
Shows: h=9 m=43
